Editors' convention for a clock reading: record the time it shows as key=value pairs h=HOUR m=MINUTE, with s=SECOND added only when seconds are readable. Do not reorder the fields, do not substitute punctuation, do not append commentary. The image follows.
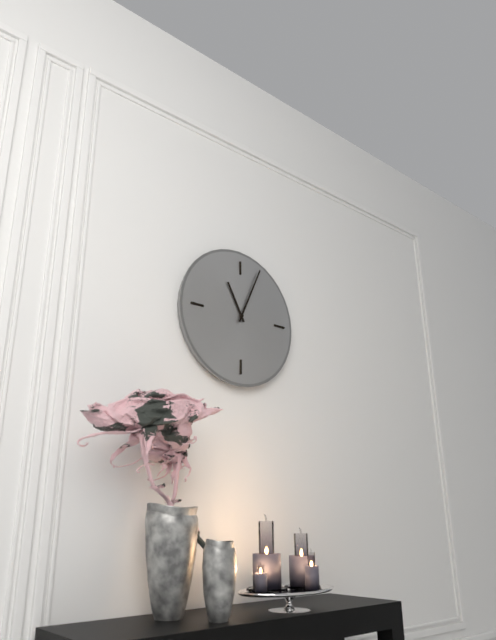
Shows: h=11 m=4
